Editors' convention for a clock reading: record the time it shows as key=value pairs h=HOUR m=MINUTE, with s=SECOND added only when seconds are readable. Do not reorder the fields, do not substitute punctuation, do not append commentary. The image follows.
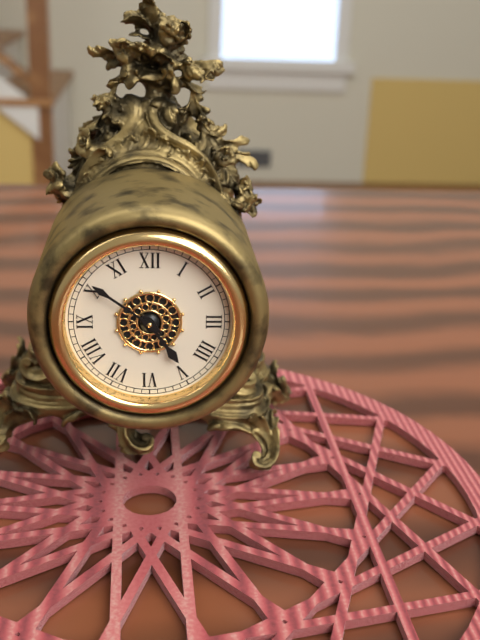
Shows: h=4 m=51
